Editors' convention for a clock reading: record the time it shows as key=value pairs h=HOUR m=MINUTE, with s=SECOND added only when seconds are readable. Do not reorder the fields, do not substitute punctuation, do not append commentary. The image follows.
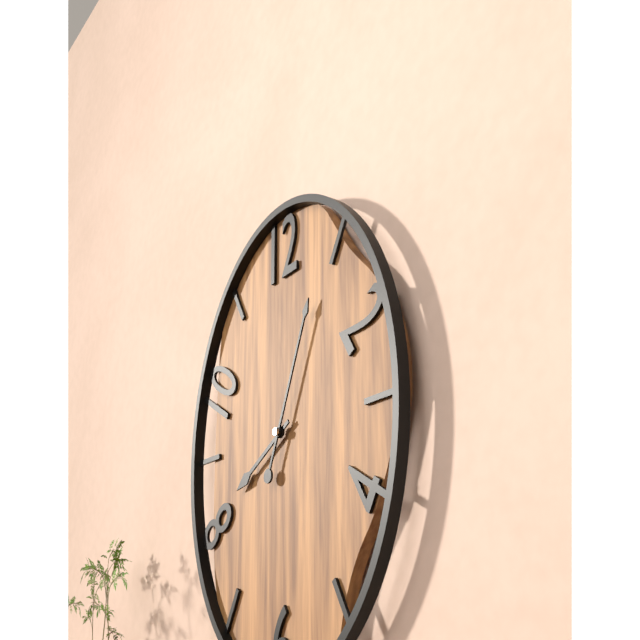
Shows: h=8 m=4
